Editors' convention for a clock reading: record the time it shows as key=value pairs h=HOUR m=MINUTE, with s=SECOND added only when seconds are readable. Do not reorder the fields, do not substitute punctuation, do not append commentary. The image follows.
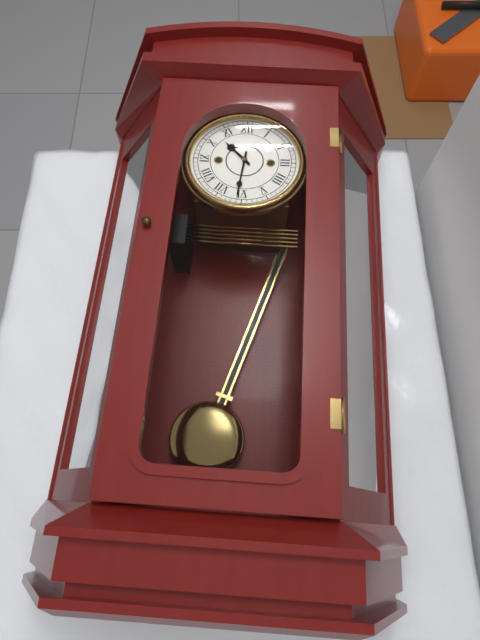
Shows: h=10 m=31
